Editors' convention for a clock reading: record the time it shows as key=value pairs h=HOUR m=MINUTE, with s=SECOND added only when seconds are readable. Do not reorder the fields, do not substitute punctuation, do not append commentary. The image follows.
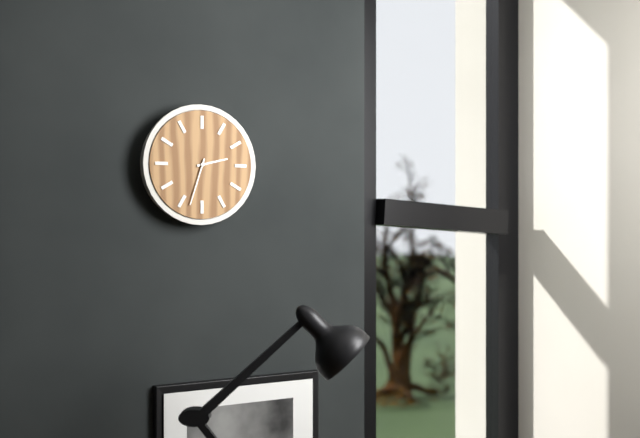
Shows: h=2 m=33
